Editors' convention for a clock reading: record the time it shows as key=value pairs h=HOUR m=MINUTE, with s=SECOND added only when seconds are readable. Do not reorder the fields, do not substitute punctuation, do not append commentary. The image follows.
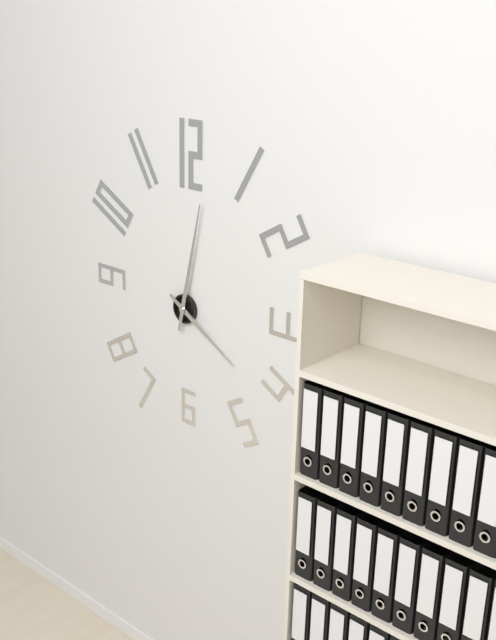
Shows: h=4 m=2
